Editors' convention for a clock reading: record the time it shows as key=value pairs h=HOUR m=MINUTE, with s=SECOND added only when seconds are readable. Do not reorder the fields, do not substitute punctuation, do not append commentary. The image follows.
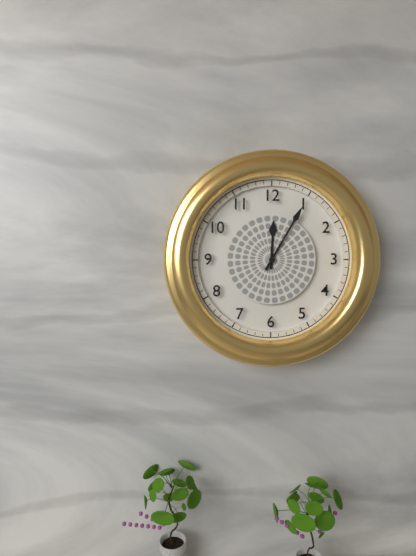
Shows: h=12 m=5
